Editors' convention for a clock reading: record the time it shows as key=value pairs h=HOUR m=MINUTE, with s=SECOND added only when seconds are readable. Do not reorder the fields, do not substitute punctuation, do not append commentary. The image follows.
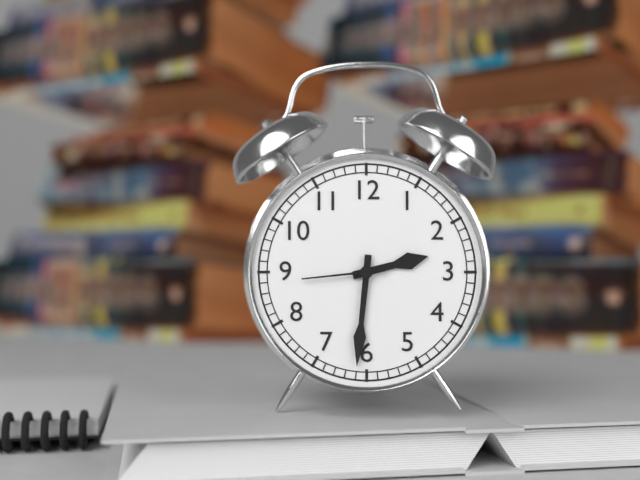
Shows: h=2 m=31 s=44
